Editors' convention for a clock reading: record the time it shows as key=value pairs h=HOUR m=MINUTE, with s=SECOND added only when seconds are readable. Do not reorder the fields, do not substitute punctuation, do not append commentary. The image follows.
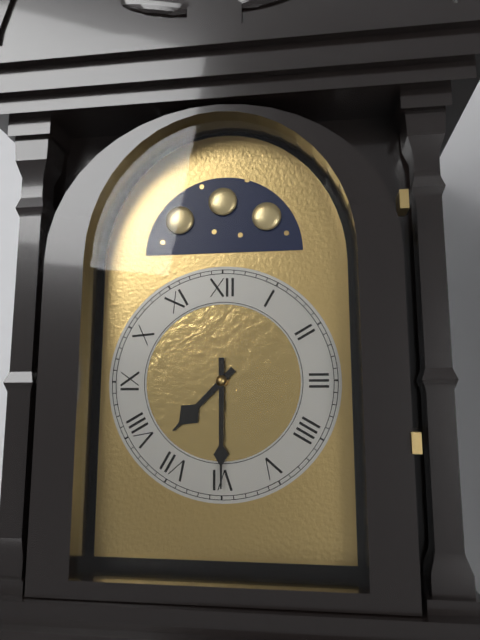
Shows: h=7 m=30
